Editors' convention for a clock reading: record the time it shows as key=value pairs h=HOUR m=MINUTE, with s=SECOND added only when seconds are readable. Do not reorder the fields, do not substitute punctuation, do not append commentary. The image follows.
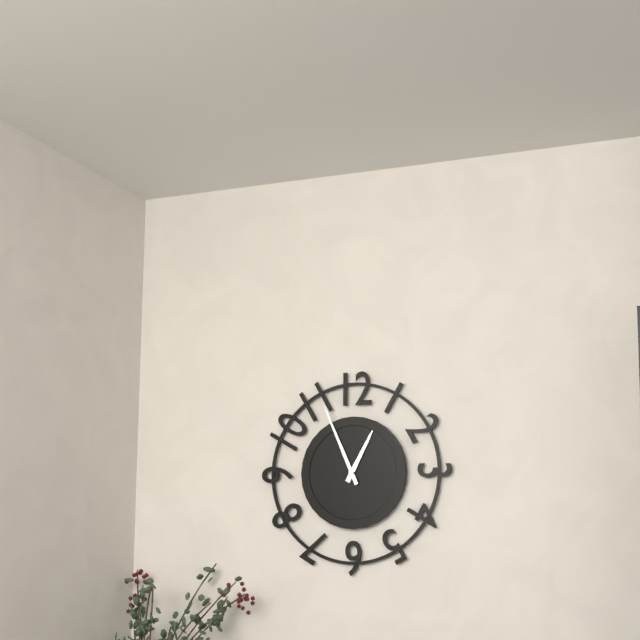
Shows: h=12 m=56
